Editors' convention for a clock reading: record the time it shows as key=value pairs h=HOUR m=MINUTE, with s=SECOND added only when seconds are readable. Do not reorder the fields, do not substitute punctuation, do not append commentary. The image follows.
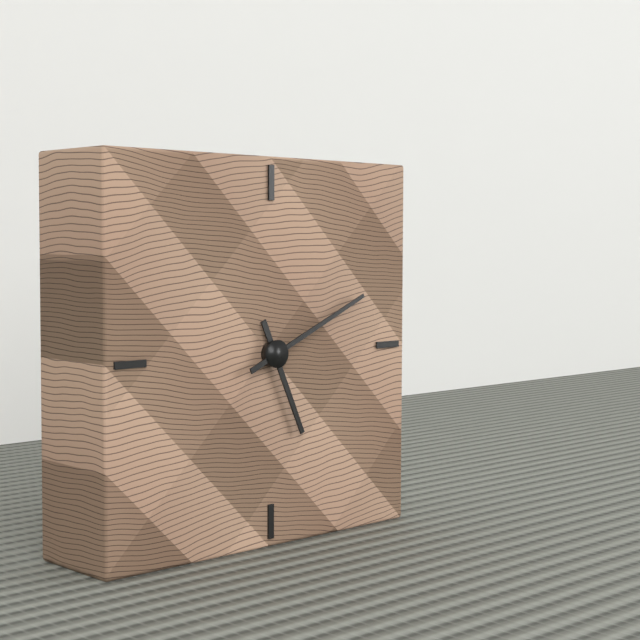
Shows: h=5 m=11
